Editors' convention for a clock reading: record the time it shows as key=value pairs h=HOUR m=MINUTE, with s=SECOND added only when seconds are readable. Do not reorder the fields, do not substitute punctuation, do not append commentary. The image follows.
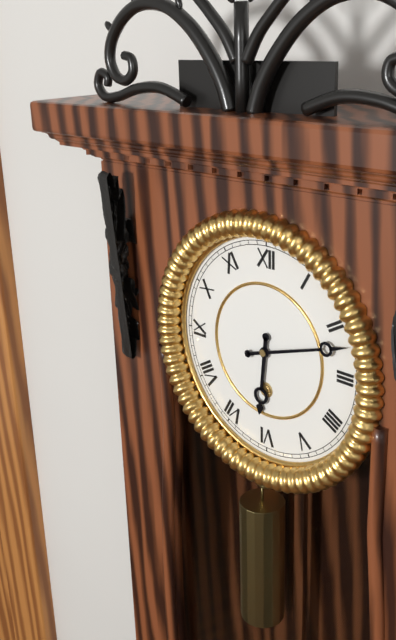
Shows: h=6 m=12
